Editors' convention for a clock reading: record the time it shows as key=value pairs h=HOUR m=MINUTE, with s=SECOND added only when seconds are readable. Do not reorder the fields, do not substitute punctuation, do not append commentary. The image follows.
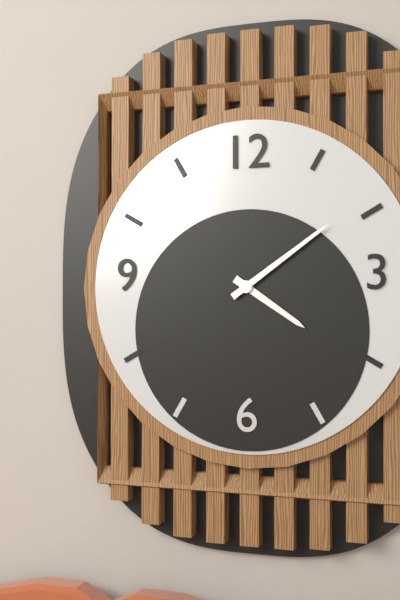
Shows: h=4 m=9
